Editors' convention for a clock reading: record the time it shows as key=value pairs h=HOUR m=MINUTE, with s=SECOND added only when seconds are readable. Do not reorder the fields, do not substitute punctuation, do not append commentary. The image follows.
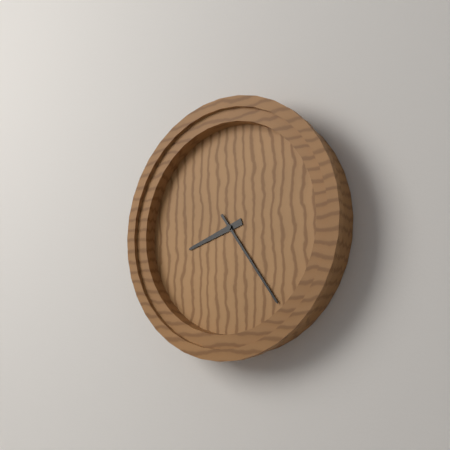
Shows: h=8 m=24
